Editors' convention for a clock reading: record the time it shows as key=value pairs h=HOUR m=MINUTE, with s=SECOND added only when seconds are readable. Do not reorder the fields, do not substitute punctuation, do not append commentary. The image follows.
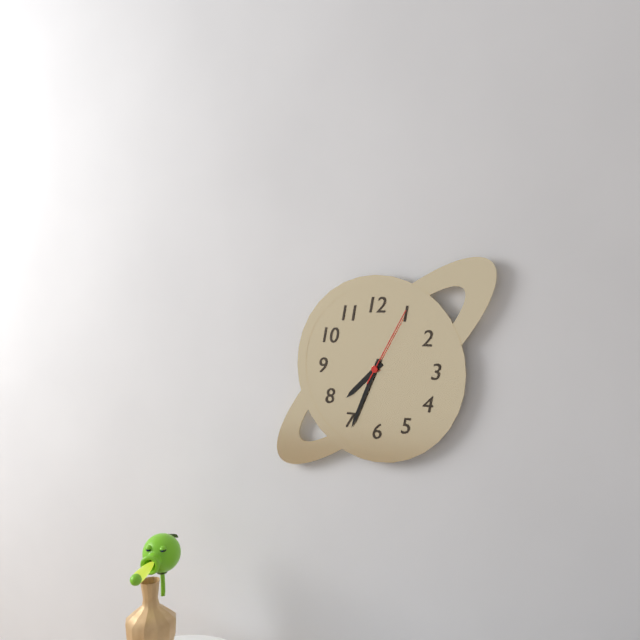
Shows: h=7 m=34 s=5
